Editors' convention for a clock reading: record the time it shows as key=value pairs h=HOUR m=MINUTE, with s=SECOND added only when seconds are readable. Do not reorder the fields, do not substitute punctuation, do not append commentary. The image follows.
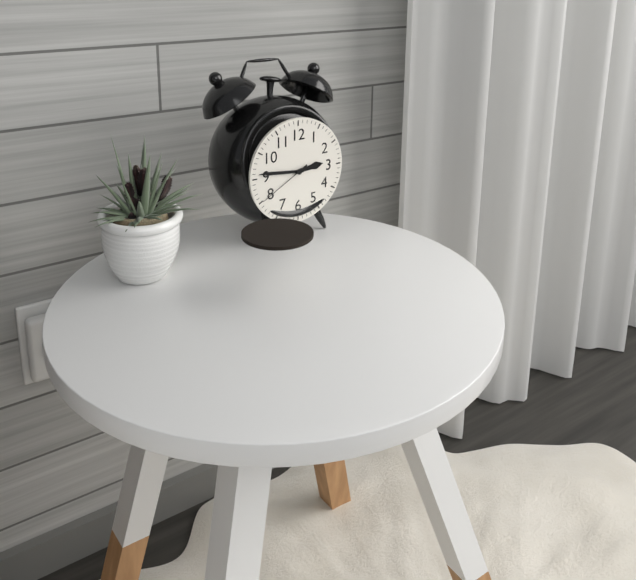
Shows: h=2 m=46 s=40
